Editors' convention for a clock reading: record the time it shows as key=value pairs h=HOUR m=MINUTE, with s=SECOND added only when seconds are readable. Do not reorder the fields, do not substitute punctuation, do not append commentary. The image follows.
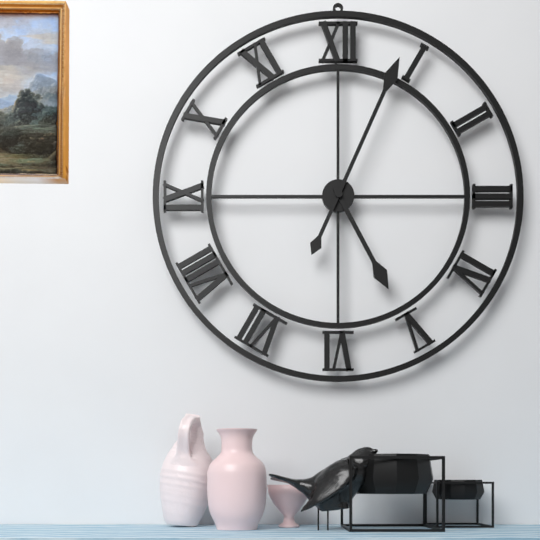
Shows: h=5 m=4
